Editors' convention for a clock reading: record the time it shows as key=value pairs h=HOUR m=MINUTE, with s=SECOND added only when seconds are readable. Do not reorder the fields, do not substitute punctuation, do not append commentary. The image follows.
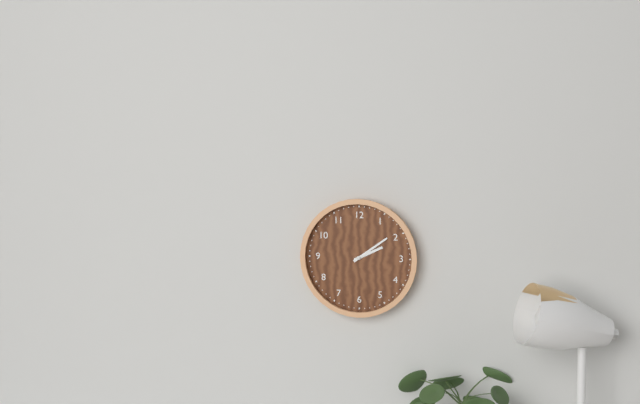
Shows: h=2 m=9
